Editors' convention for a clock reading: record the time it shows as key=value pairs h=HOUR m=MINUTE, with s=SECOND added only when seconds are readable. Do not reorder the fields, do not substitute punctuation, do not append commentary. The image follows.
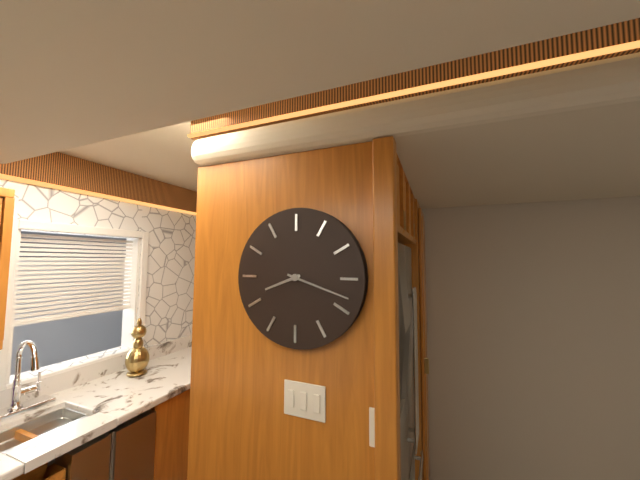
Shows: h=8 m=18
